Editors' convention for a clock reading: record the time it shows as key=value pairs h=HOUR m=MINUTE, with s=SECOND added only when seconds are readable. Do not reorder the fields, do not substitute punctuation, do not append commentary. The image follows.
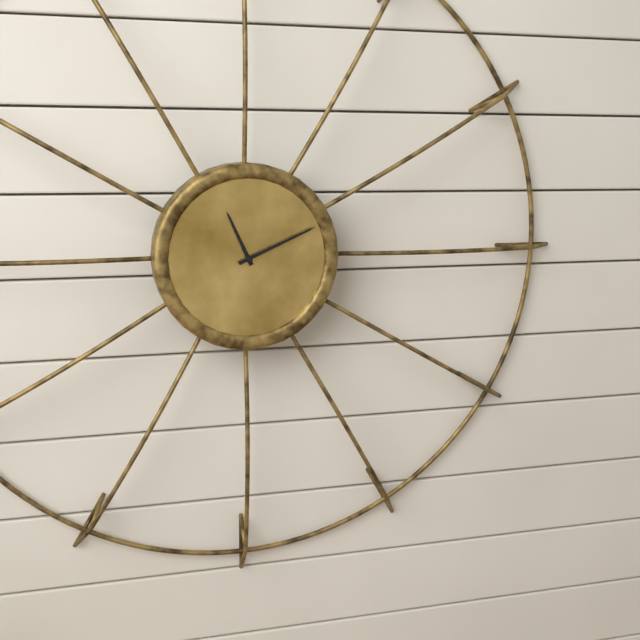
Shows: h=11 m=11
